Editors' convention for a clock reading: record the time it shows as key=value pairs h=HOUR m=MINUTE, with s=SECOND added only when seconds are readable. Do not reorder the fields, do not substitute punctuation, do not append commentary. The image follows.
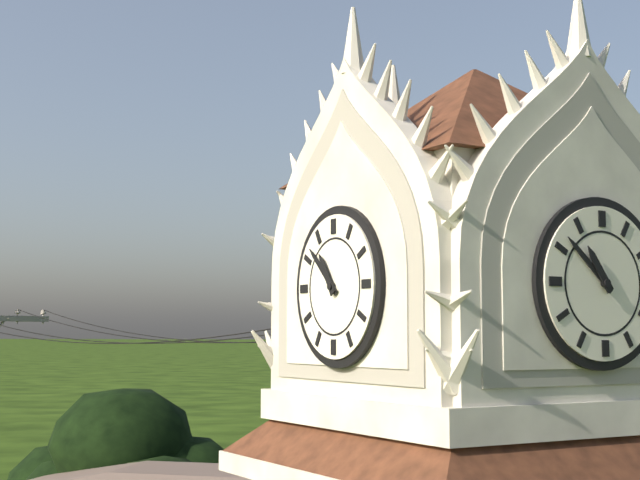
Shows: h=10 m=52
